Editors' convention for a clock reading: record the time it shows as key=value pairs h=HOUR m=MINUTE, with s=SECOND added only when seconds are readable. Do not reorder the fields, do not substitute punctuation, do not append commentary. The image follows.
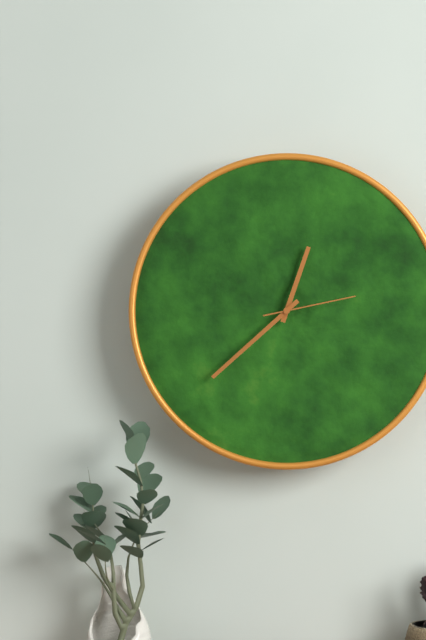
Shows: h=12 m=38 s=13
